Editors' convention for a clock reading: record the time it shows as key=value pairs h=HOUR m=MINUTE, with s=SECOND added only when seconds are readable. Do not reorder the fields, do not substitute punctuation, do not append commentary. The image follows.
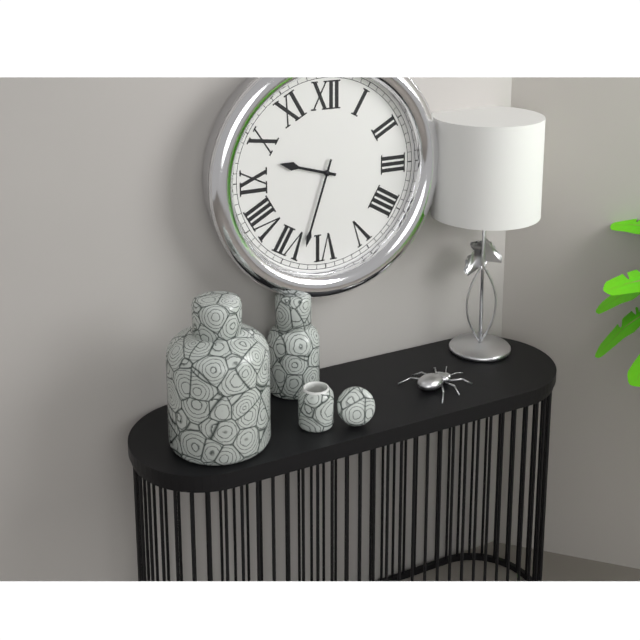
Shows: h=9 m=33
